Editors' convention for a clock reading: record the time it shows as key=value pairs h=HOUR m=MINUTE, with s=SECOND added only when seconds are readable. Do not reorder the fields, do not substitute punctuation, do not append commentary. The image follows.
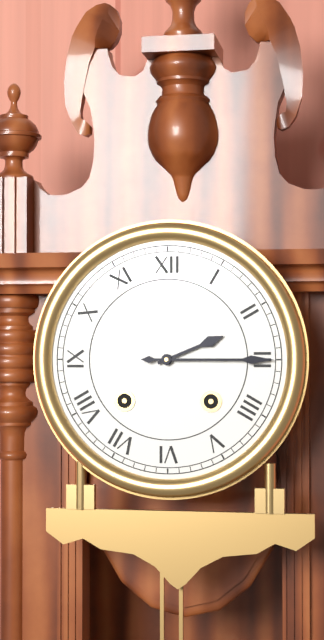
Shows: h=2 m=15
